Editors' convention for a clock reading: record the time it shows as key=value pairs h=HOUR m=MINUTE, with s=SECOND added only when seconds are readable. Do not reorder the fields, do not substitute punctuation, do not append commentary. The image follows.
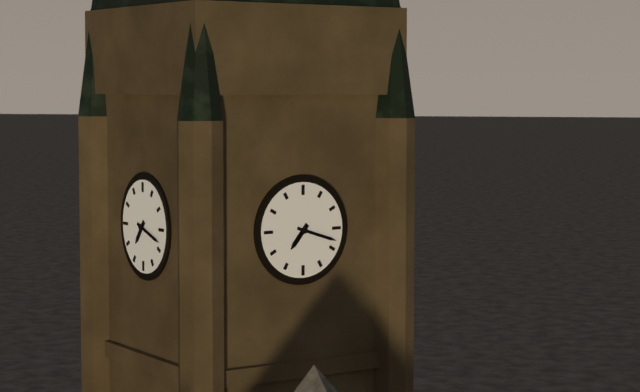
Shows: h=7 m=18
